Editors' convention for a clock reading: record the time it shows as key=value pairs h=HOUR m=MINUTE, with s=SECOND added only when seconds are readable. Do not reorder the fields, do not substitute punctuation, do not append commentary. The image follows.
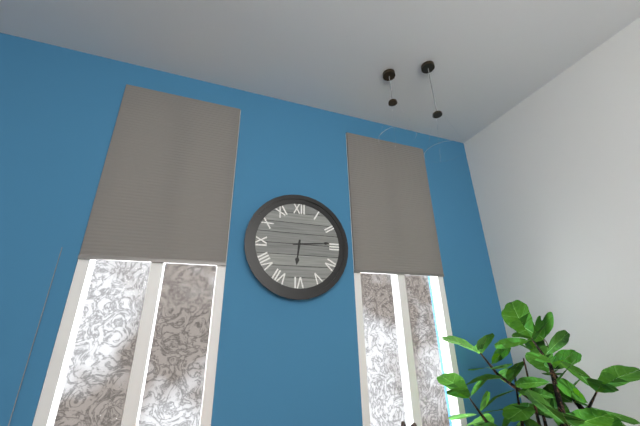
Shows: h=6 m=14
